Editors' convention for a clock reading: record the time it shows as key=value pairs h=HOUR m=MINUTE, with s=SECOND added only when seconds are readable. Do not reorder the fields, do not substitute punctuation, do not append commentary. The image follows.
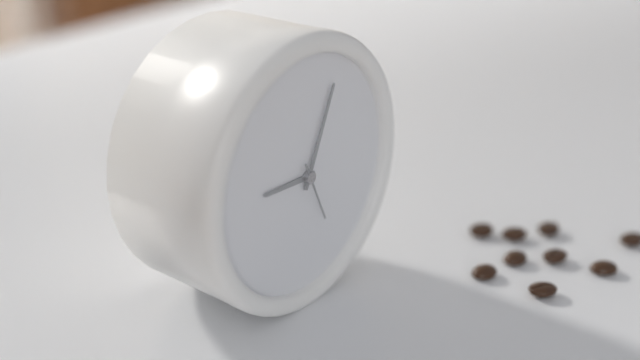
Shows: h=9 m=4 s=26
